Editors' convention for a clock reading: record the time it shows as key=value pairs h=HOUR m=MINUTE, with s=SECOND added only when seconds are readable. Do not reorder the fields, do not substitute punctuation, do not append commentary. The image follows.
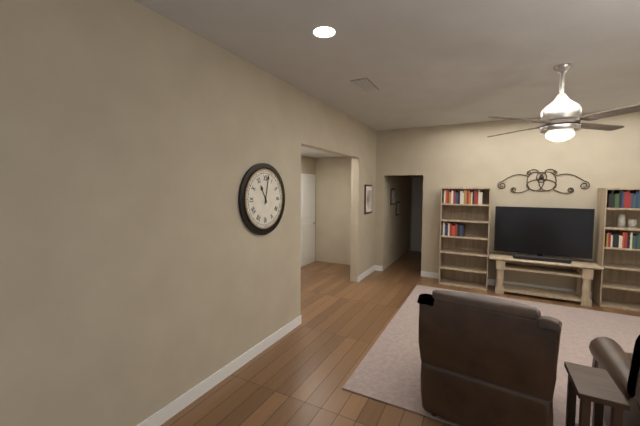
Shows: h=11 m=2
